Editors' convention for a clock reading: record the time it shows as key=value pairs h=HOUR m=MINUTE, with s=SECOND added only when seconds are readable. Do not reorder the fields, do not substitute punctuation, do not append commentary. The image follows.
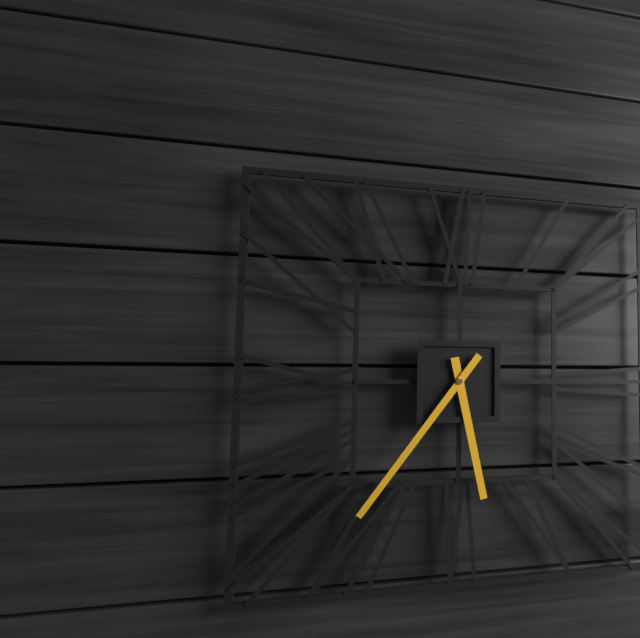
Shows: h=5 m=36
